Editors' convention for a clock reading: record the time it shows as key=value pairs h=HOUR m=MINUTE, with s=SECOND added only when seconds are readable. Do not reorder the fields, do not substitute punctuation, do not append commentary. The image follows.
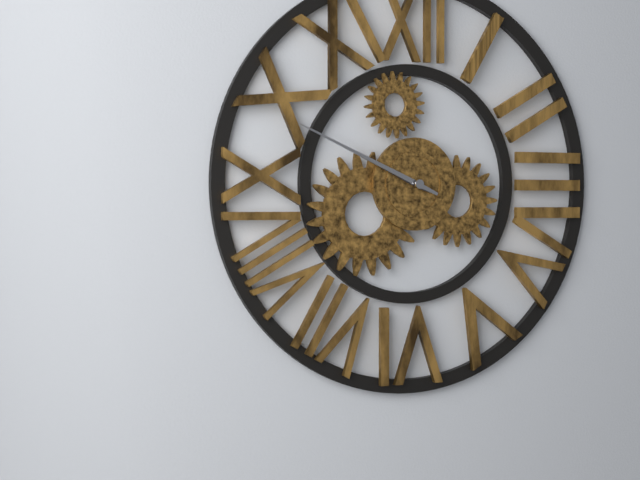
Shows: h=9 m=49
